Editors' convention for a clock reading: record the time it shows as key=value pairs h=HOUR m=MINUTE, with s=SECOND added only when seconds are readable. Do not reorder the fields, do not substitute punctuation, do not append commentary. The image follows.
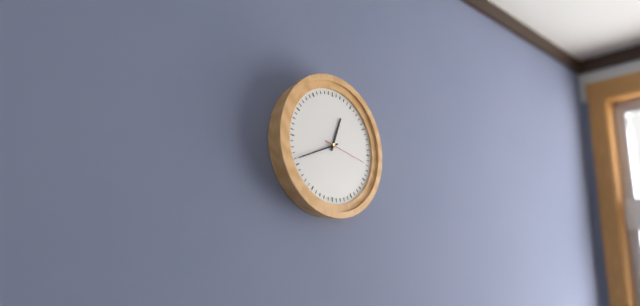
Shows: h=12 m=41
